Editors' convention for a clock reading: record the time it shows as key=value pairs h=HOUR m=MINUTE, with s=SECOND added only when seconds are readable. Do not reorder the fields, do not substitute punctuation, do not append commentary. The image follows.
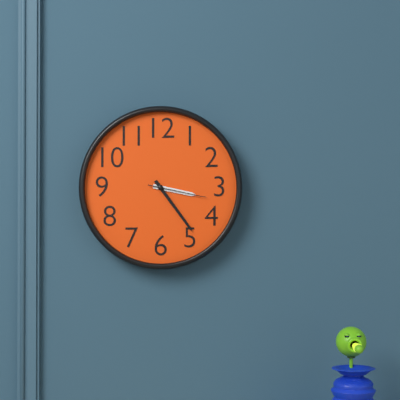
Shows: h=3 m=24 s=17
